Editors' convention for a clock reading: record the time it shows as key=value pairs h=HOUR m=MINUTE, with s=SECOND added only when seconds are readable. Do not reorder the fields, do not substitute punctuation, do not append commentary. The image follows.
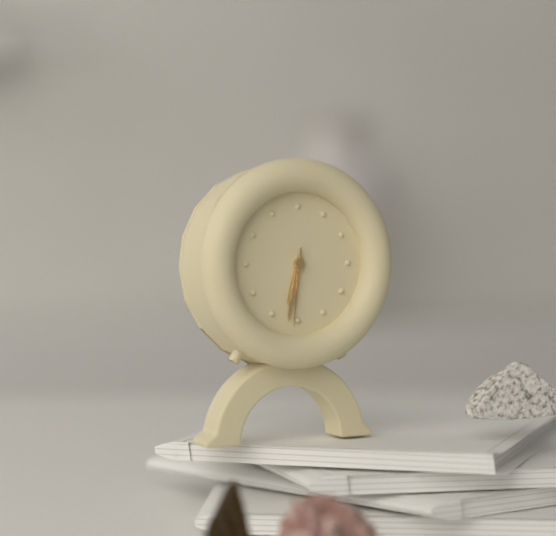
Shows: h=6 m=32 s=31
